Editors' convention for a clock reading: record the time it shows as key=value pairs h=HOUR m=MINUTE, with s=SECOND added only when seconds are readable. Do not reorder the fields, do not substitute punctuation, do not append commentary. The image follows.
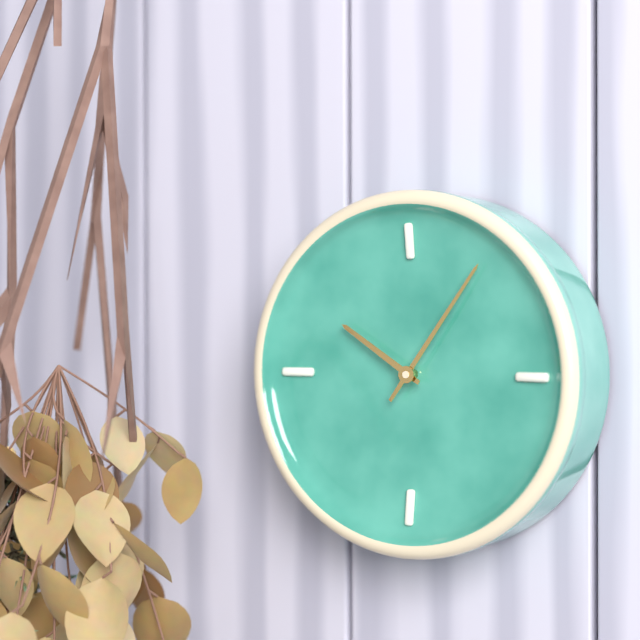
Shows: h=10 m=6
